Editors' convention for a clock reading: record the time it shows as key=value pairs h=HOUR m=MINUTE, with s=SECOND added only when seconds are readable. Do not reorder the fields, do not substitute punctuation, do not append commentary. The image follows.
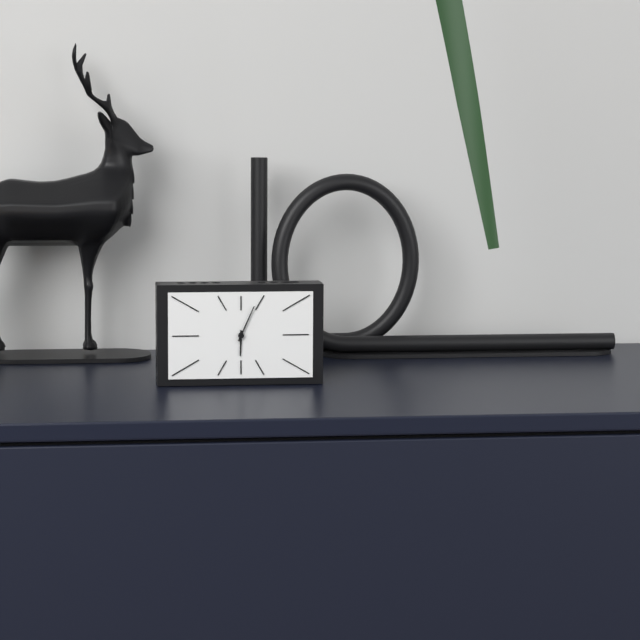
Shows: h=6 m=4
